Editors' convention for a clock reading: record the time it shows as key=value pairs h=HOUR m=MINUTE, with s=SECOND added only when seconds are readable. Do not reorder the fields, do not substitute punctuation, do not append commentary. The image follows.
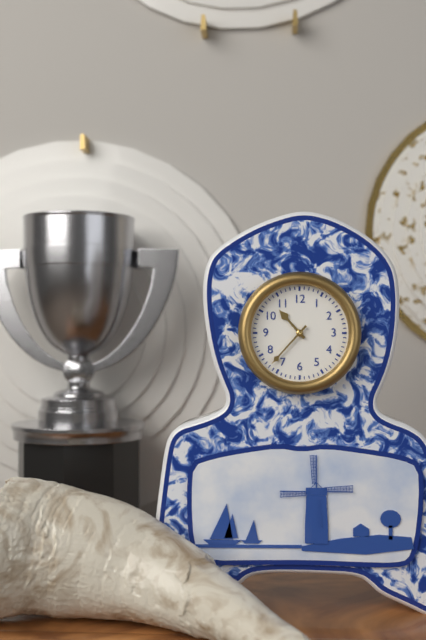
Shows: h=10 m=37
